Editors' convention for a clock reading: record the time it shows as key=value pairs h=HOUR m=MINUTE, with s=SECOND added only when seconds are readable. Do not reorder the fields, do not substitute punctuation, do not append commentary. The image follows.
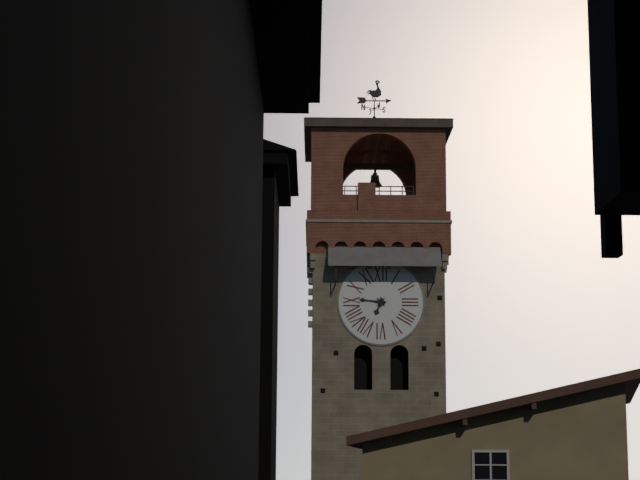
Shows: h=6 m=46
